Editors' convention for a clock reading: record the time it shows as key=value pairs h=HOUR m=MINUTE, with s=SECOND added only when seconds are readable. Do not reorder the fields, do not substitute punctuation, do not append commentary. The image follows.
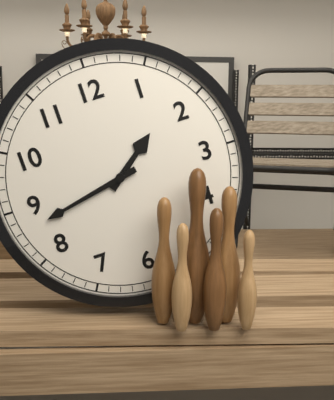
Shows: h=1 m=43
